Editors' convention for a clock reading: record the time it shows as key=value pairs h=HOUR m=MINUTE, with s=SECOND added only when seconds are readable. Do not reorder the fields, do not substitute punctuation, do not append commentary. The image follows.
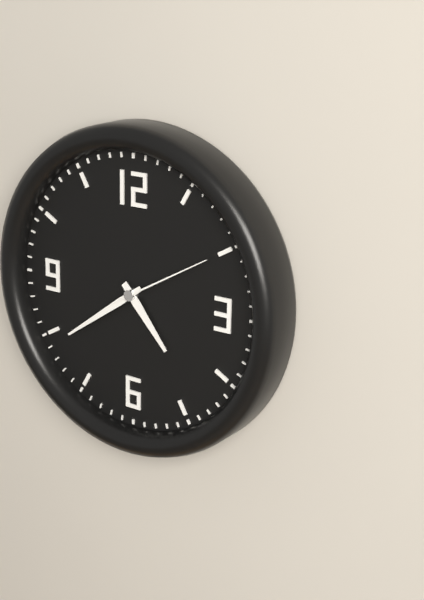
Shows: h=4 m=39 s=10
